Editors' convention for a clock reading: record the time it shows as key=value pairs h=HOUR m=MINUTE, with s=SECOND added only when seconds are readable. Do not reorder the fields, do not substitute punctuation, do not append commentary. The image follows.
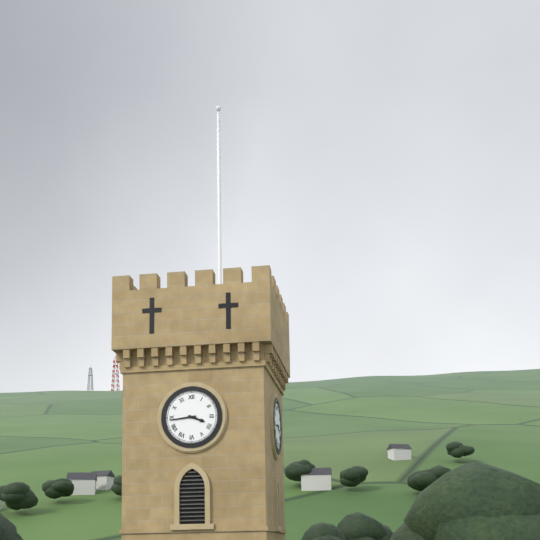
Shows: h=3 m=44
